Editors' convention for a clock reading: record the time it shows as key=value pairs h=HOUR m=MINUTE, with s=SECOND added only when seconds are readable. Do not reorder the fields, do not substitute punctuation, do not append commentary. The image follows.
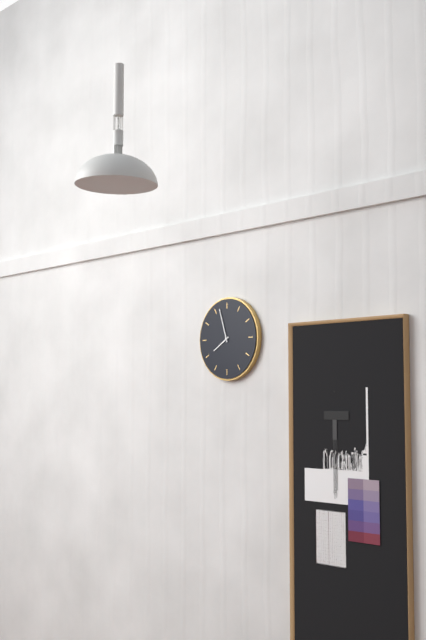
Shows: h=7 m=57
